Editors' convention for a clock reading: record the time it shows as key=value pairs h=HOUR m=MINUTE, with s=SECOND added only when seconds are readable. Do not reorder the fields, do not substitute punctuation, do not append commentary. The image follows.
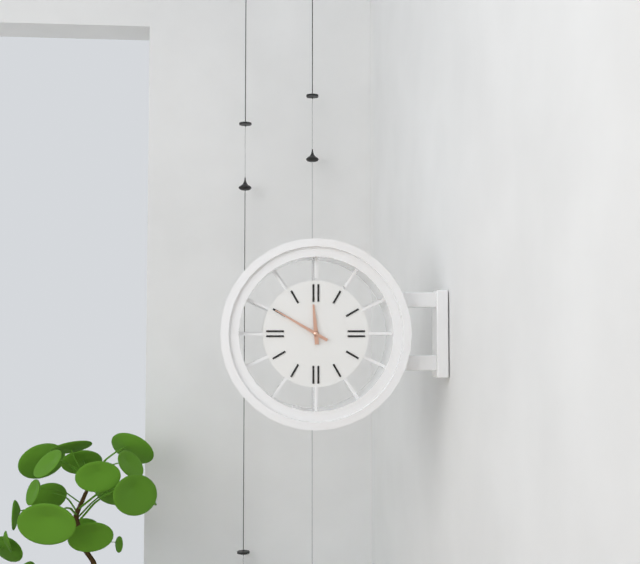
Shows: h=11 m=50
